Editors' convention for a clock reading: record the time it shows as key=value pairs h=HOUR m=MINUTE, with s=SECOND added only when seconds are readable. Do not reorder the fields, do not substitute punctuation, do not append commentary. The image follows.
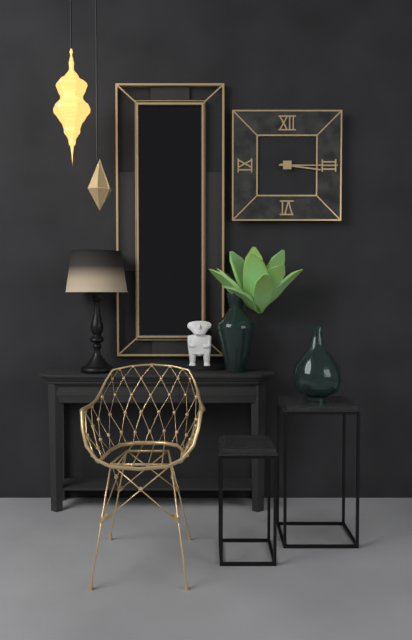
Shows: h=3 m=15
